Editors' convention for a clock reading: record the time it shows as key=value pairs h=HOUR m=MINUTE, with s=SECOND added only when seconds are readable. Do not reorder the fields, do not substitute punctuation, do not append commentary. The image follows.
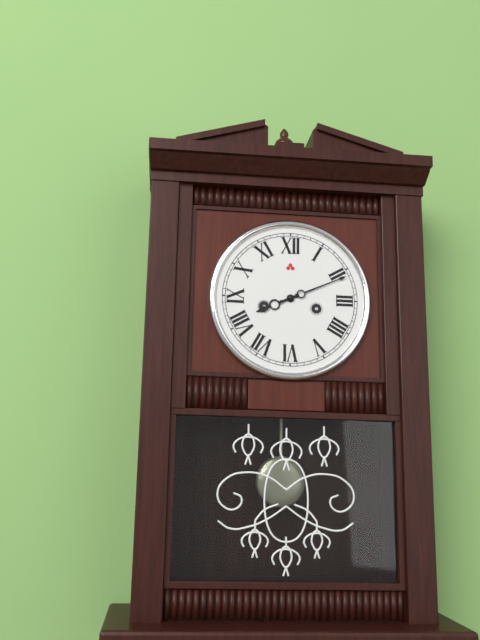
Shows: h=8 m=11
